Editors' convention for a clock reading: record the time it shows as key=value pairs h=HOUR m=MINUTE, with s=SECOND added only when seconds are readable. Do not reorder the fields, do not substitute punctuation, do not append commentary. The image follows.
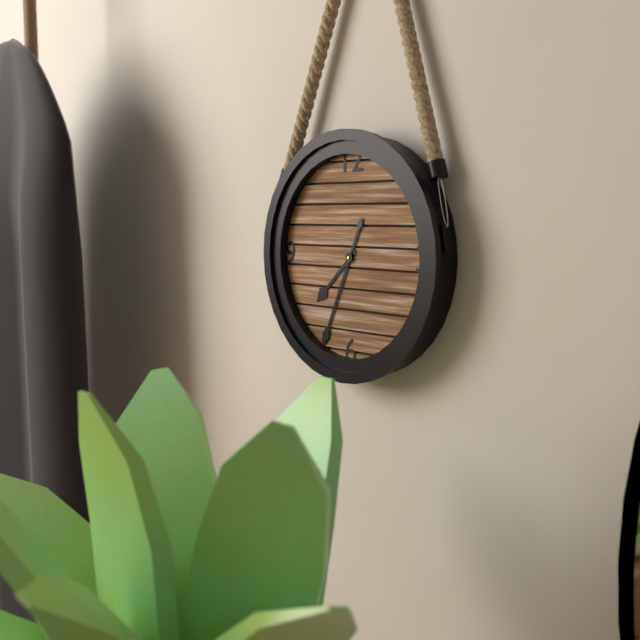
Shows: h=7 m=34
